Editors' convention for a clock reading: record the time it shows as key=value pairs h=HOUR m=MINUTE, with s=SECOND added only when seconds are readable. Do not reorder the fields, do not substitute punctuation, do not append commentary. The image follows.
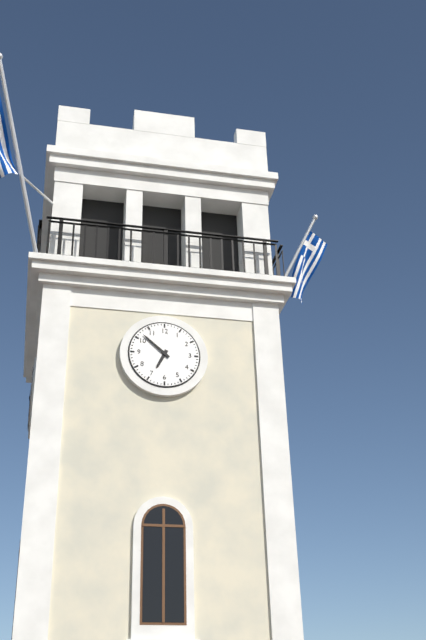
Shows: h=6 m=52
